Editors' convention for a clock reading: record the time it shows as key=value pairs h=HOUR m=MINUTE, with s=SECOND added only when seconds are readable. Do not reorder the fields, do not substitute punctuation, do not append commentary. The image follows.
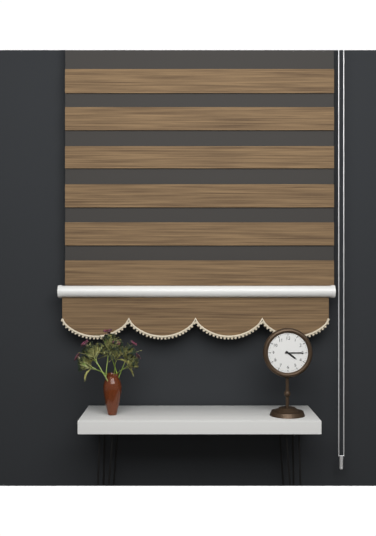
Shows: h=4 m=15
